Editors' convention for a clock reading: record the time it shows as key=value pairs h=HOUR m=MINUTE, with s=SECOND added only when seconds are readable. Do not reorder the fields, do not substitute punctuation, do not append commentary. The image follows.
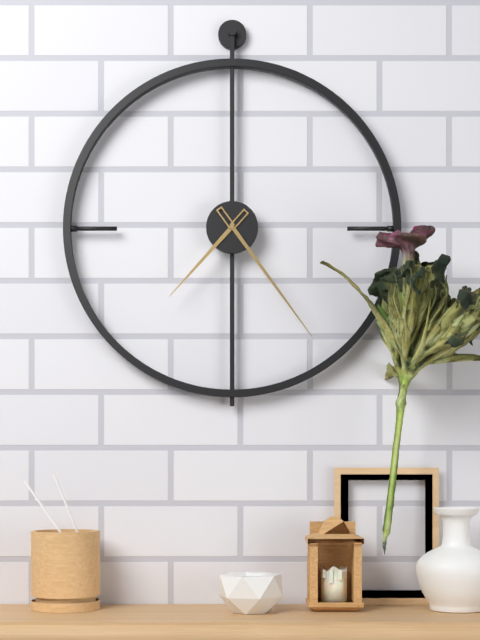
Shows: h=7 m=24
